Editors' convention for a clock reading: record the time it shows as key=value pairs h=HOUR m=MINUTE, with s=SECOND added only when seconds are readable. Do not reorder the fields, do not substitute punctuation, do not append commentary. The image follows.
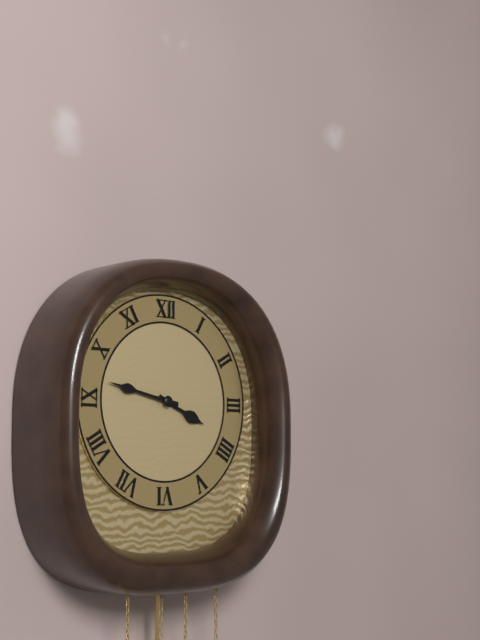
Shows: h=3 m=47
